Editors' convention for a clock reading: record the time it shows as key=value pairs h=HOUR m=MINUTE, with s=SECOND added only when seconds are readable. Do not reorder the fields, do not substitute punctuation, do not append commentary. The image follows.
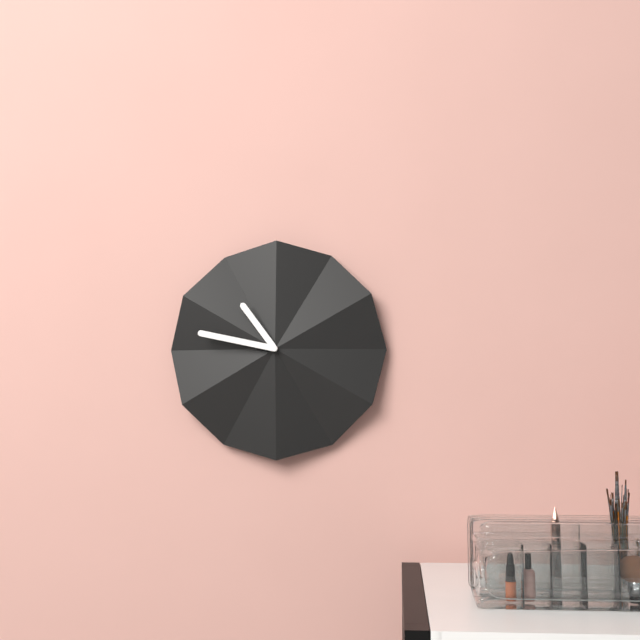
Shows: h=10 m=47
